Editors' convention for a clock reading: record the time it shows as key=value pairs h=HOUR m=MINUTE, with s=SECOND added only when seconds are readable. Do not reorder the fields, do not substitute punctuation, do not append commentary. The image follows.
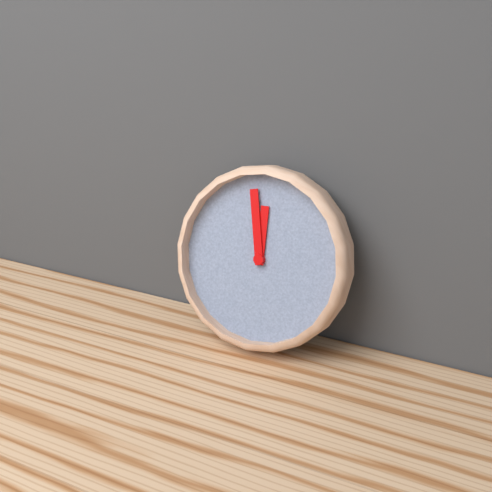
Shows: h=11 m=58
